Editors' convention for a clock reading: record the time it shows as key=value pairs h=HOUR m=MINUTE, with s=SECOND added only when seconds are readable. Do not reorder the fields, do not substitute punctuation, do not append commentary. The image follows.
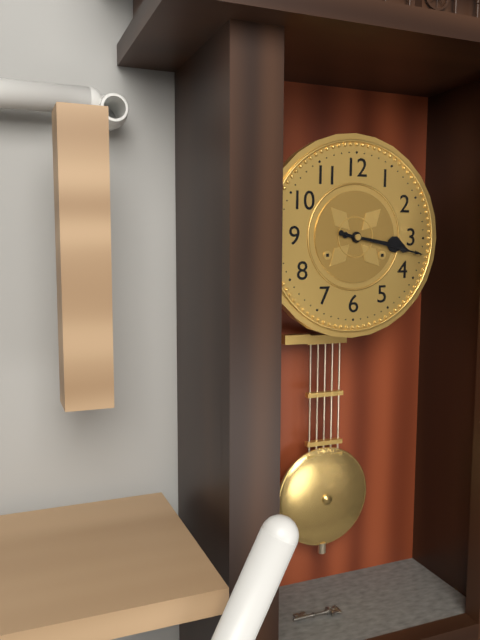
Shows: h=3 m=17
